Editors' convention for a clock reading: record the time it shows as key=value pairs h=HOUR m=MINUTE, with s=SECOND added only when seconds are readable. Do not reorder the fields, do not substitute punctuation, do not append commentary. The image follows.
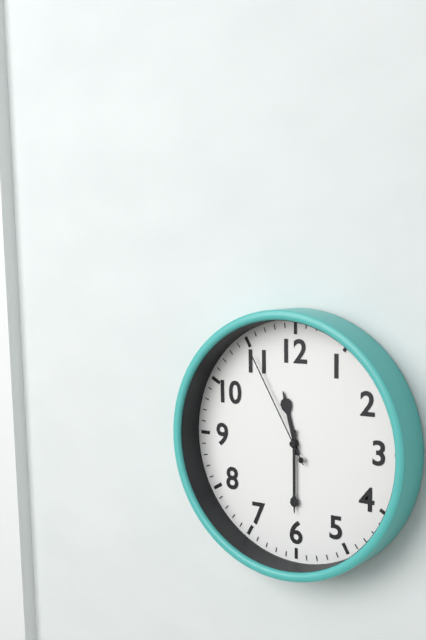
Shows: h=11 m=30 s=55
